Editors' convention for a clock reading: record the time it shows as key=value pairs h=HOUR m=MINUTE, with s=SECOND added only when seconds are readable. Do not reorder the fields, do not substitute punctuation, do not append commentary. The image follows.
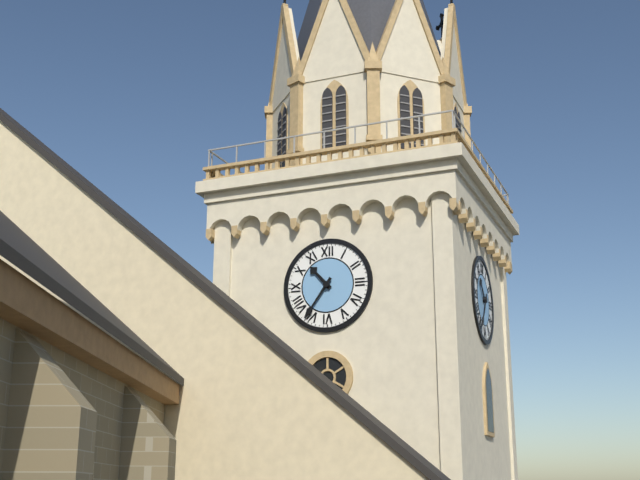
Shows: h=10 m=36
